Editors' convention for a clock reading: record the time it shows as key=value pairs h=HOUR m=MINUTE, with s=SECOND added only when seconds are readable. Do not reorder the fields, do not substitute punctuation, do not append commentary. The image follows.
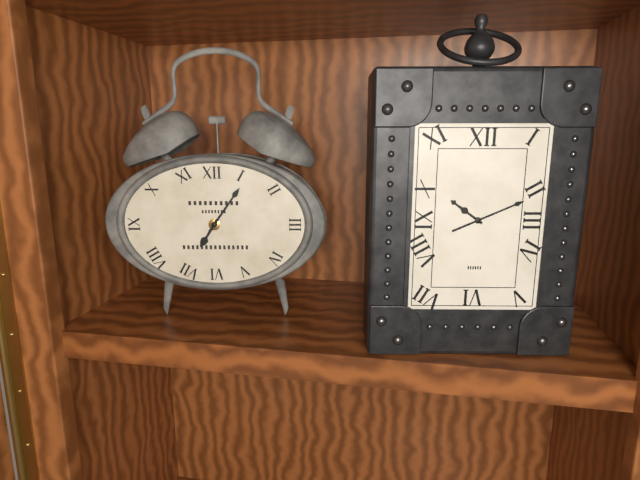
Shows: h=7 m=6
